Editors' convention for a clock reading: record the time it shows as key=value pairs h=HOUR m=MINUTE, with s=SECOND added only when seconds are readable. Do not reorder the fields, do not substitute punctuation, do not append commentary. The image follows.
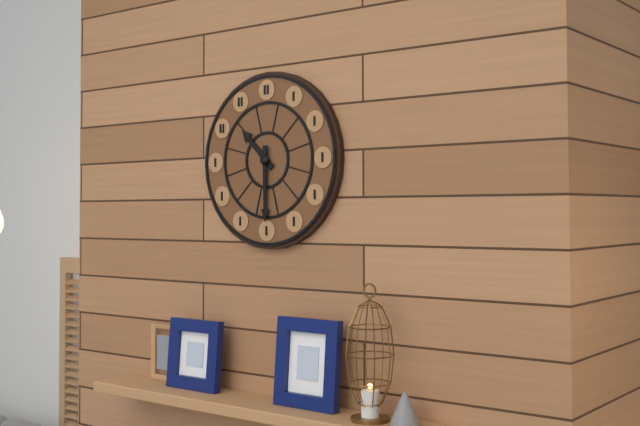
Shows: h=10 m=30
